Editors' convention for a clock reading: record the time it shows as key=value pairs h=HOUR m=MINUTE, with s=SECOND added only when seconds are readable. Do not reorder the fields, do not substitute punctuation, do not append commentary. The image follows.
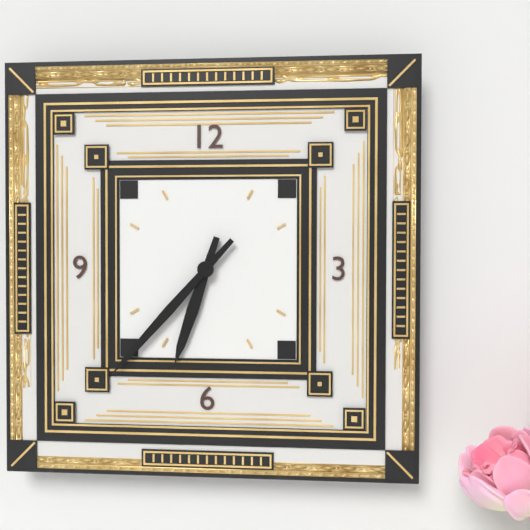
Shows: h=6 m=37
